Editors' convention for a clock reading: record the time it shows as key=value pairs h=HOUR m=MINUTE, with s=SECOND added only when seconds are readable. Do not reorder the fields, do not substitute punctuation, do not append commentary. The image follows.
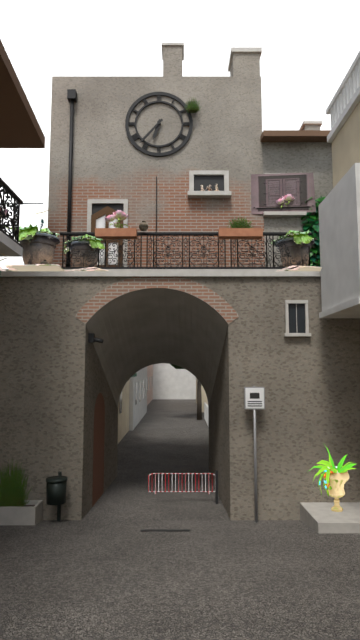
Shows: h=6 m=37
